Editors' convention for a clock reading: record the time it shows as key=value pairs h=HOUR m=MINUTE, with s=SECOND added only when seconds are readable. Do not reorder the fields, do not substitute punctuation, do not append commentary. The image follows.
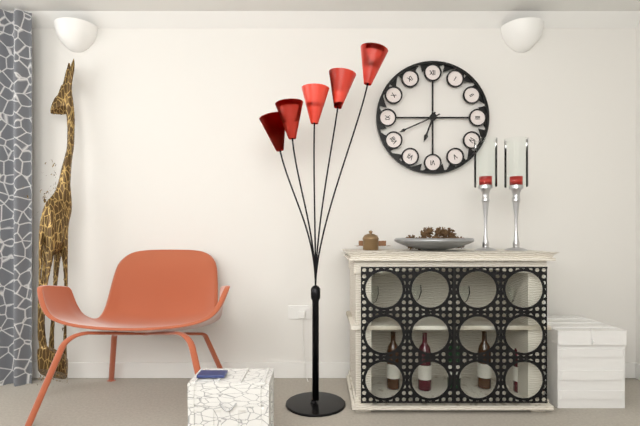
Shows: h=6 m=41
